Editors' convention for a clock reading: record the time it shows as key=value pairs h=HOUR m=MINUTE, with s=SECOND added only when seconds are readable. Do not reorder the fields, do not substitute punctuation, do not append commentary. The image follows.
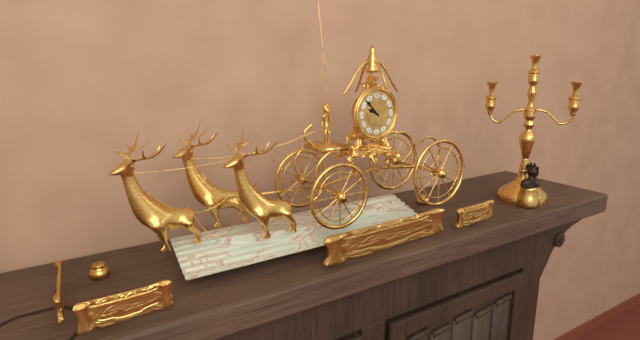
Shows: h=9 m=53
